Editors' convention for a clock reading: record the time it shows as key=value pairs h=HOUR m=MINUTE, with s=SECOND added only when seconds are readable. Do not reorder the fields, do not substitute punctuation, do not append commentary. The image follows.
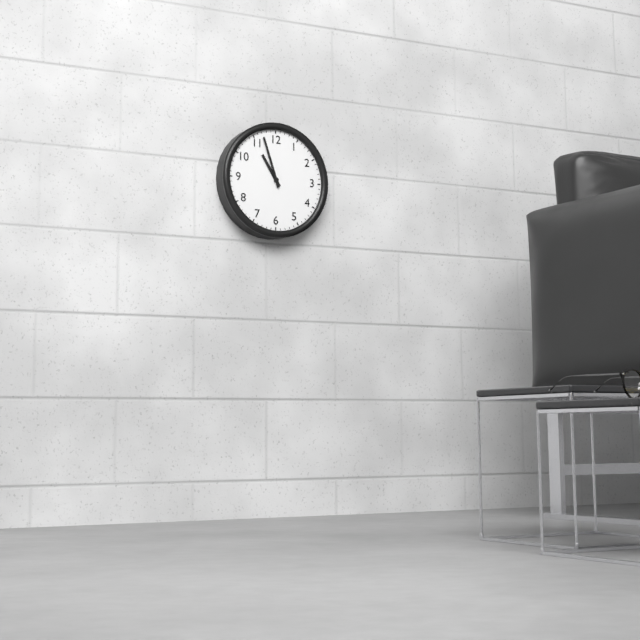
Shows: h=10 m=57
